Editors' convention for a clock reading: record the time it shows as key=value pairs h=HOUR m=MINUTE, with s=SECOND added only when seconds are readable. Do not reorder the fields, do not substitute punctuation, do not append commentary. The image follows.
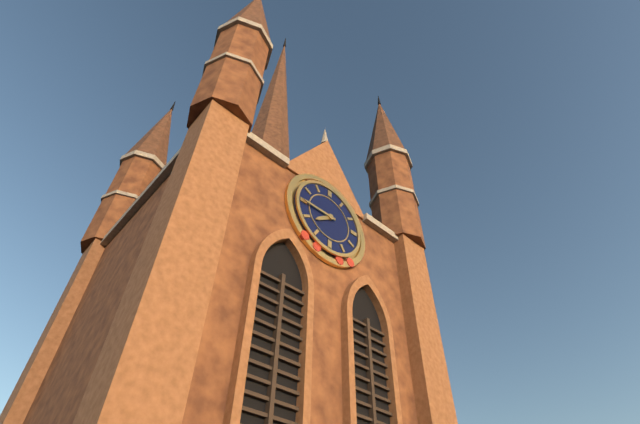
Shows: h=7 m=45
